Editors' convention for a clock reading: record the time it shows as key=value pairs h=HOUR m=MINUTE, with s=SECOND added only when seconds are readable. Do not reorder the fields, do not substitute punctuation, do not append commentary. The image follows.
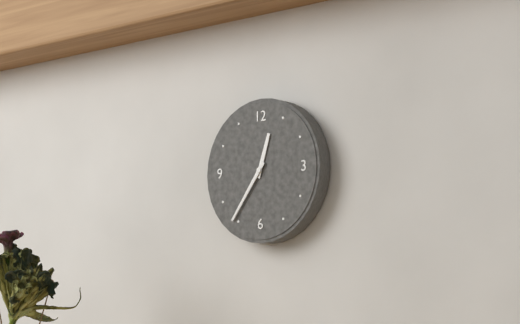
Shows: h=12 m=36
